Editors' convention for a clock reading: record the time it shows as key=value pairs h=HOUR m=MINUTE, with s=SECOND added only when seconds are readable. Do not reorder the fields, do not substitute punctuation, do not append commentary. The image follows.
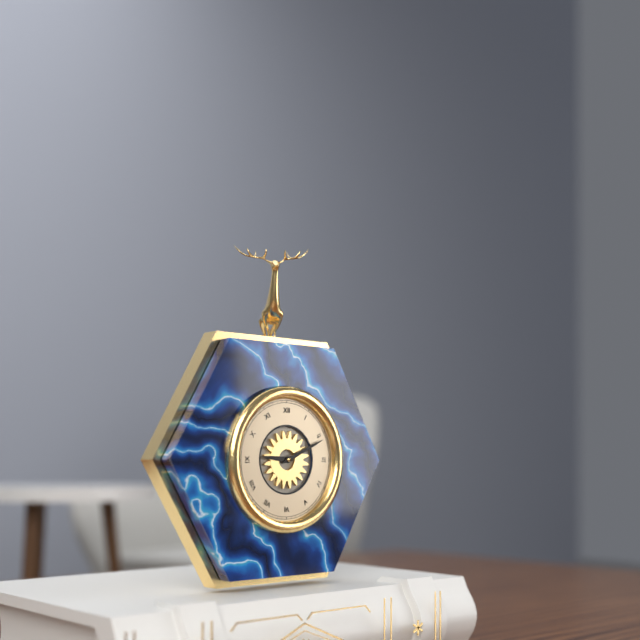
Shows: h=9 m=11
